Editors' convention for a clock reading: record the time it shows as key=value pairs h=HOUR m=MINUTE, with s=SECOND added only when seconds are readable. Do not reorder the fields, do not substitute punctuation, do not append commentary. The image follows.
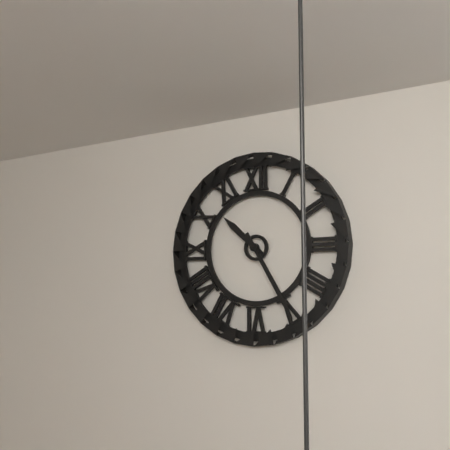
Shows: h=10 m=25
